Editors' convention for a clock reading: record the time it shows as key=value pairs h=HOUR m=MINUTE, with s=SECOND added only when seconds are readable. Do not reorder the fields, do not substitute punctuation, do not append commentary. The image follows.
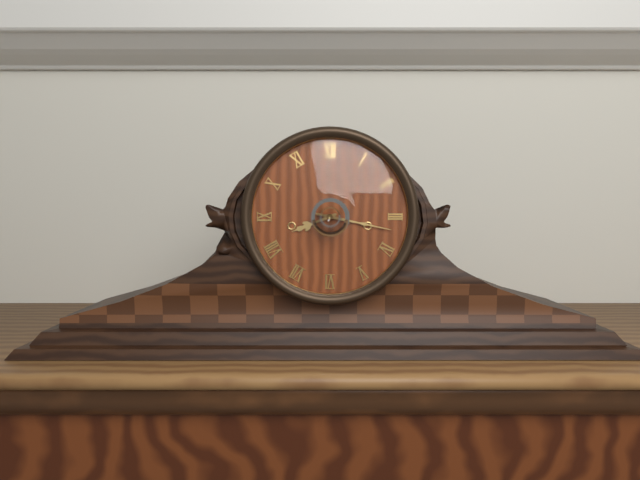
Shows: h=8 m=17
